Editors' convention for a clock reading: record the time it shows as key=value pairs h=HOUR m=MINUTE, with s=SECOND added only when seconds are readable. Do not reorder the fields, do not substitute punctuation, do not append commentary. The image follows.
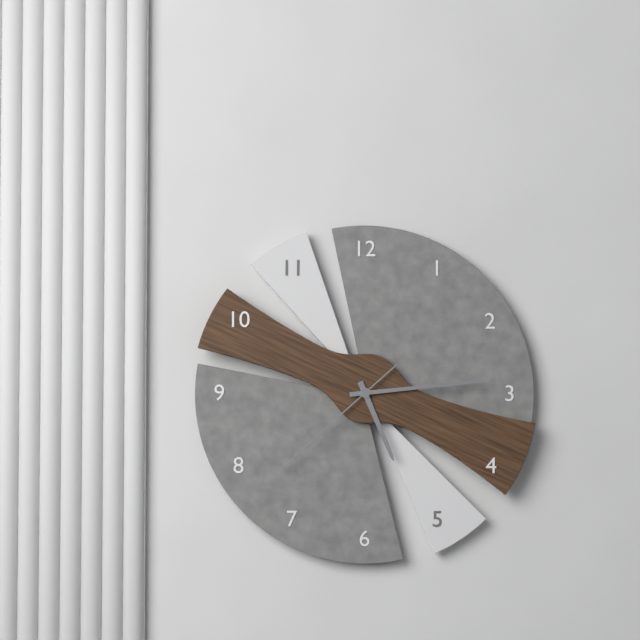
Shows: h=5 m=14 s=38
